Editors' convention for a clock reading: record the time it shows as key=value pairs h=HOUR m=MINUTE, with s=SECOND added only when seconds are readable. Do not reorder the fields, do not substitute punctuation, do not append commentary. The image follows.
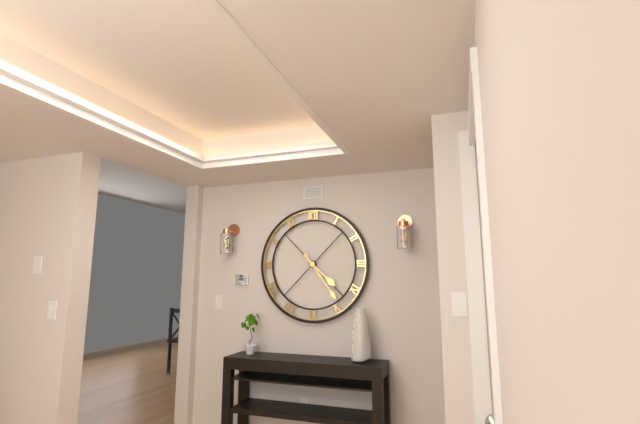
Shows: h=4 m=24
